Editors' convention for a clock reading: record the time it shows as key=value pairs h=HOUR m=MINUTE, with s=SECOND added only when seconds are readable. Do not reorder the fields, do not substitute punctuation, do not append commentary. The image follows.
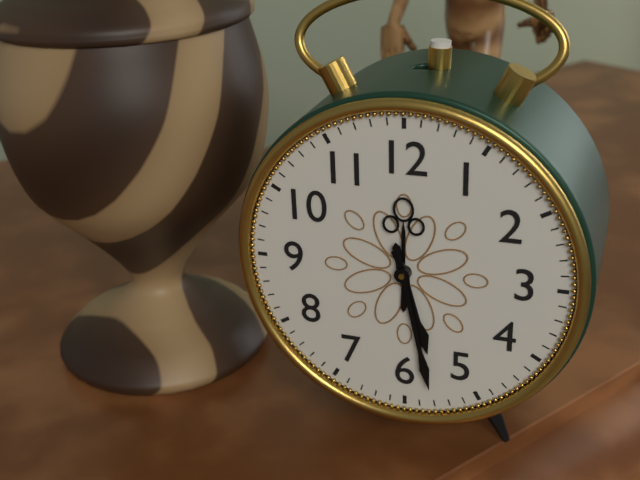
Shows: h=5 m=28
